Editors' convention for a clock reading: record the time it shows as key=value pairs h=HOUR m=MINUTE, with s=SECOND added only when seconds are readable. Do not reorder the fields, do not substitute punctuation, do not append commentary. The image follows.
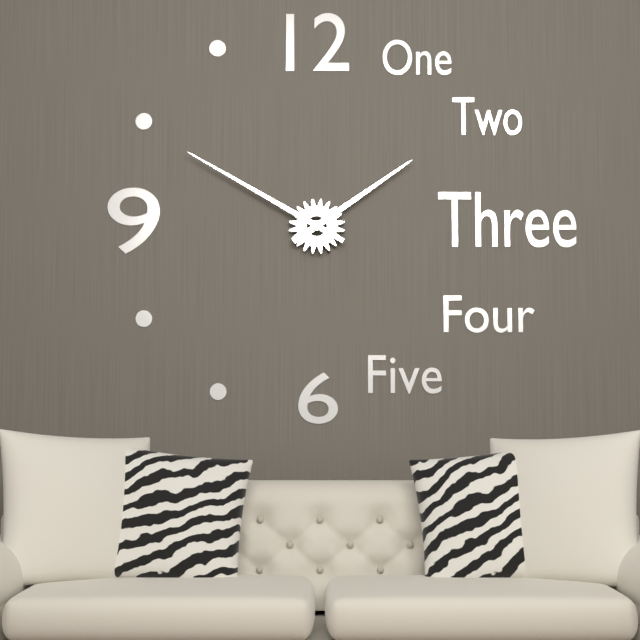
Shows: h=1 m=50
